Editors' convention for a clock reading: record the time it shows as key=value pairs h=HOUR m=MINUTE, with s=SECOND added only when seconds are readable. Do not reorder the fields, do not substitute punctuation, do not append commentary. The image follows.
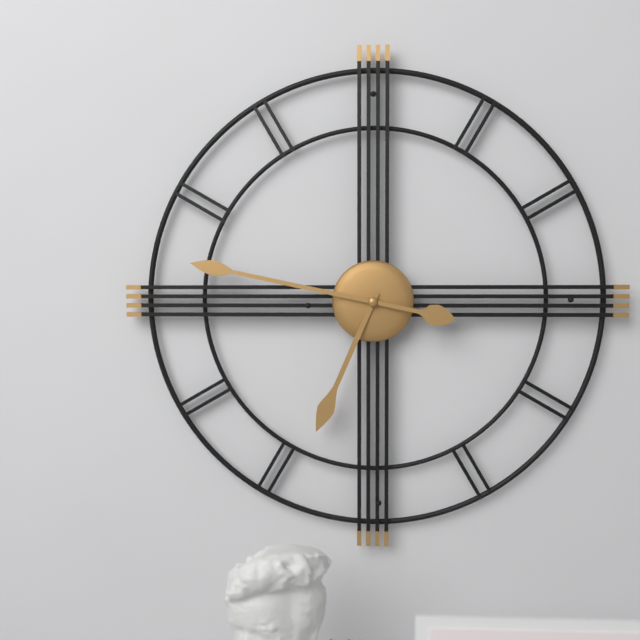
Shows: h=6 m=47
